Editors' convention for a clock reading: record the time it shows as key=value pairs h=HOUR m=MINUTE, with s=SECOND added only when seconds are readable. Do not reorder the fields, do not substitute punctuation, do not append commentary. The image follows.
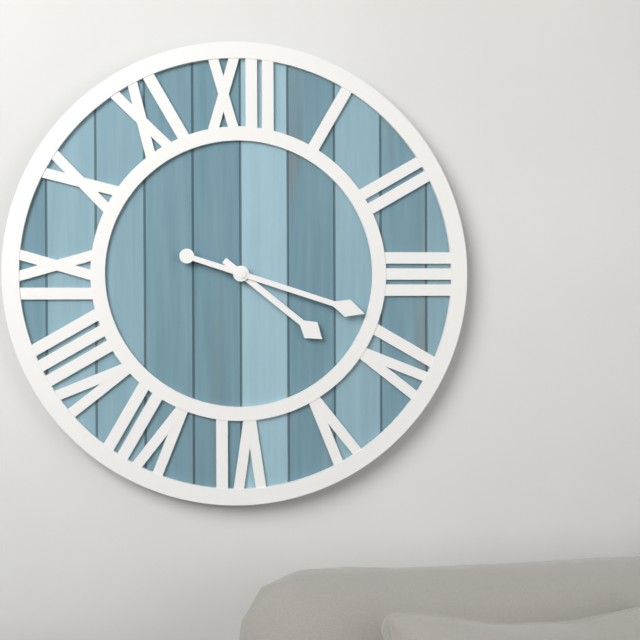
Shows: h=4 m=18
